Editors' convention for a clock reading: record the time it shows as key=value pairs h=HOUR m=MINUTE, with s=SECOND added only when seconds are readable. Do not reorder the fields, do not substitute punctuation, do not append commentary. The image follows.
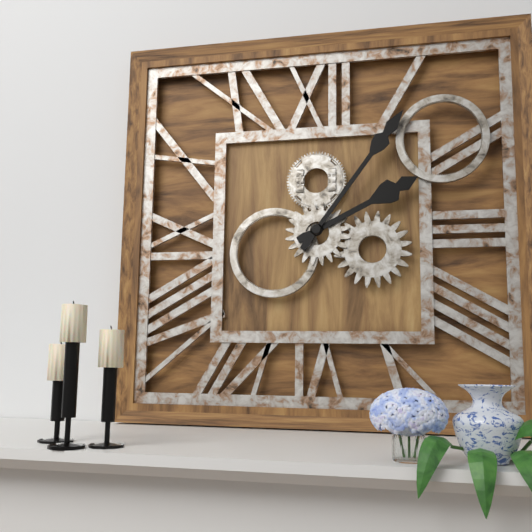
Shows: h=2 m=6
